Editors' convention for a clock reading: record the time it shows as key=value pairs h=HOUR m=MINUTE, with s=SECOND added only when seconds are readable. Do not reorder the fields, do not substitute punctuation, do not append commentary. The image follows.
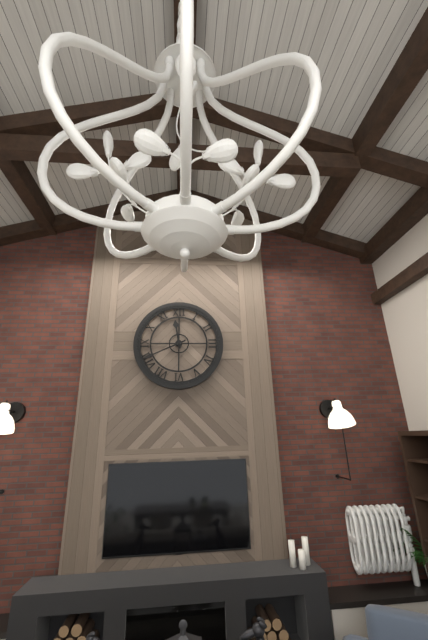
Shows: h=11 m=41
